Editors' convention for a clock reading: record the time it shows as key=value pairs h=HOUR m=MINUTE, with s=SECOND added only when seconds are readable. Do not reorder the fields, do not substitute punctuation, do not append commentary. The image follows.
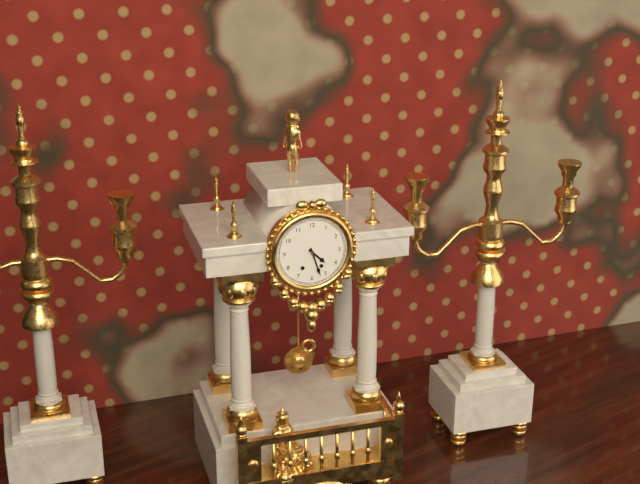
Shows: h=4 m=27
